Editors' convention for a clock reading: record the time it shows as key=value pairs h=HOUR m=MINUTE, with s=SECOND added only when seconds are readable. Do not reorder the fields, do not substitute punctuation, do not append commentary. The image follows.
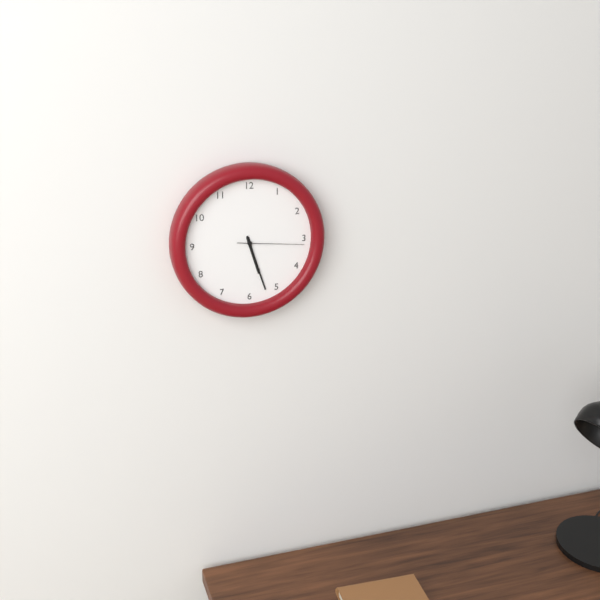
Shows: h=5 m=27 s=16
